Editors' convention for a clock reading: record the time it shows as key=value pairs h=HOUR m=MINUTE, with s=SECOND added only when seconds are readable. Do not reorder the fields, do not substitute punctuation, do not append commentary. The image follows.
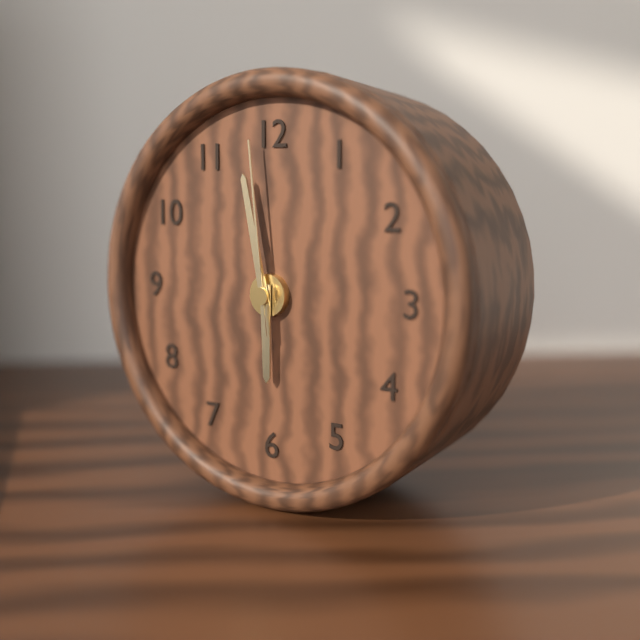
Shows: h=5 m=58 s=59
